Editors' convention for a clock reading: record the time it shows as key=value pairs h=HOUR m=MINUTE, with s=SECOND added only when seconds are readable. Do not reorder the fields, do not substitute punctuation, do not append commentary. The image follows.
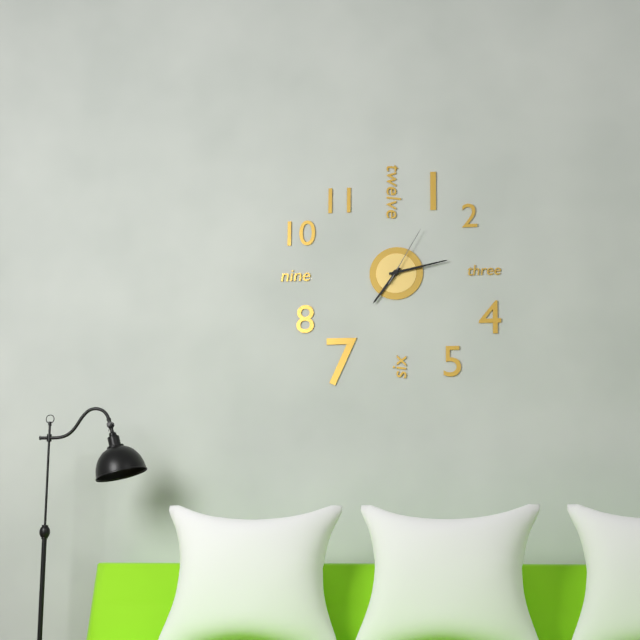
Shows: h=7 m=13 s=5
